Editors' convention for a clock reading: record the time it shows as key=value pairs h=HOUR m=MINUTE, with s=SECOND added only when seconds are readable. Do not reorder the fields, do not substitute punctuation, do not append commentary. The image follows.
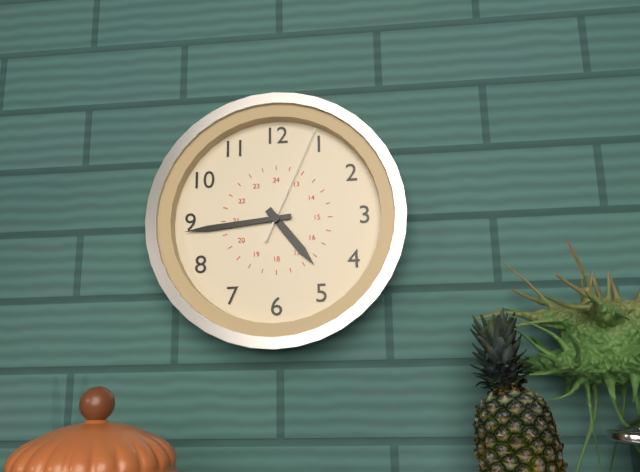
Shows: h=4 m=44 s=4
